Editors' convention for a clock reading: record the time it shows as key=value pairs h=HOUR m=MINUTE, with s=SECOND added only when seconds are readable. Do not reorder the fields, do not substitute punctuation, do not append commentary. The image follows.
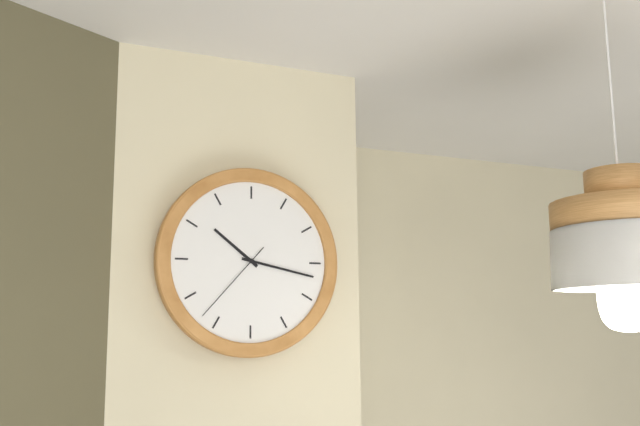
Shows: h=10 m=17 s=37
